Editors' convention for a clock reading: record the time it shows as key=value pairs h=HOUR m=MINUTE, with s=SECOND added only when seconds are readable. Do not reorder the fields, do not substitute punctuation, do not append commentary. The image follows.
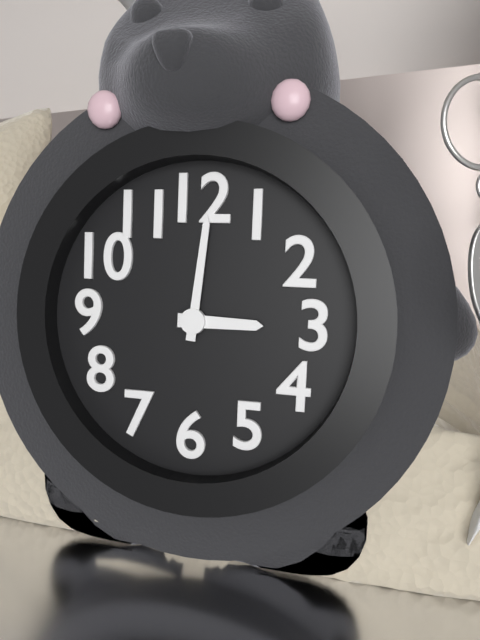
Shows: h=3 m=1
